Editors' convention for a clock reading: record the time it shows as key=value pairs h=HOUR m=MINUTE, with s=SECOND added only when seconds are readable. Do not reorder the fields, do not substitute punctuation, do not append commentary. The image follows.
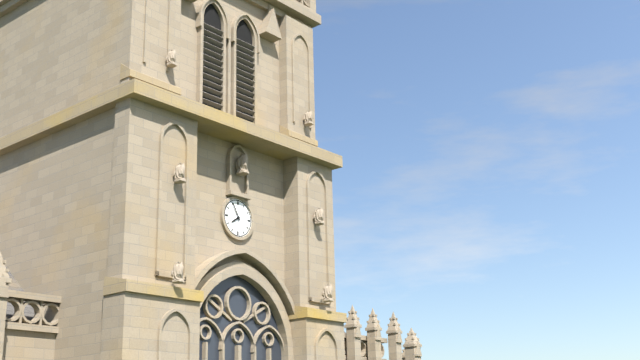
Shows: h=7 m=55
